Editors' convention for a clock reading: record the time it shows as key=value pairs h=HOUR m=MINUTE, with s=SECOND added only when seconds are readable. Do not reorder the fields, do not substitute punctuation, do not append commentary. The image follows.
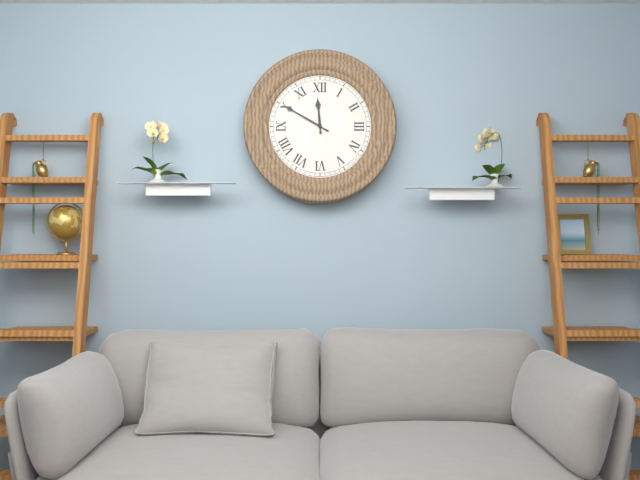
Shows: h=11 m=50
